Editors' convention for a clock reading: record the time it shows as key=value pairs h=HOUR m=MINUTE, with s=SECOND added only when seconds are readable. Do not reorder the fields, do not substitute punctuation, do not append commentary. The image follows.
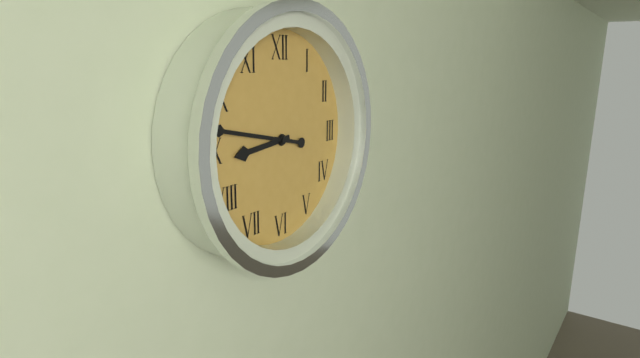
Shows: h=8 m=47
